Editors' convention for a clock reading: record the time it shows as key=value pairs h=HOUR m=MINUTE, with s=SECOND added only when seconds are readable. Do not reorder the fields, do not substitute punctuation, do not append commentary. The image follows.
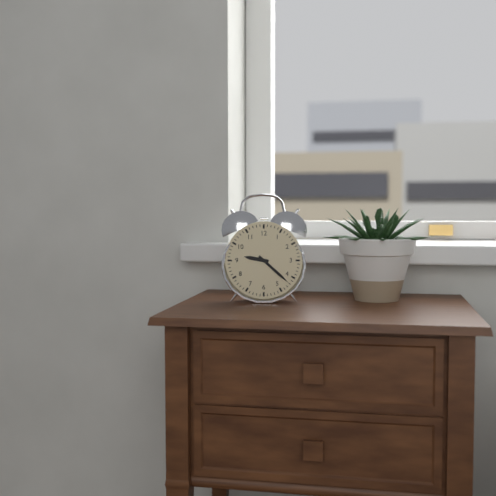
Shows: h=9 m=22
